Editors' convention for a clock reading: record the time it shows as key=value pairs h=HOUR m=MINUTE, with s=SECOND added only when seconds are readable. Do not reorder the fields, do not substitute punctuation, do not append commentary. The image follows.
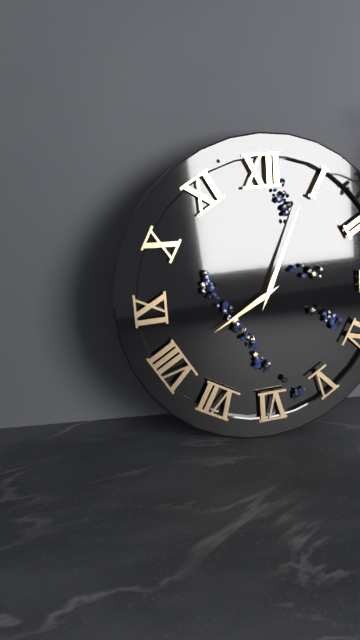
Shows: h=8 m=4
